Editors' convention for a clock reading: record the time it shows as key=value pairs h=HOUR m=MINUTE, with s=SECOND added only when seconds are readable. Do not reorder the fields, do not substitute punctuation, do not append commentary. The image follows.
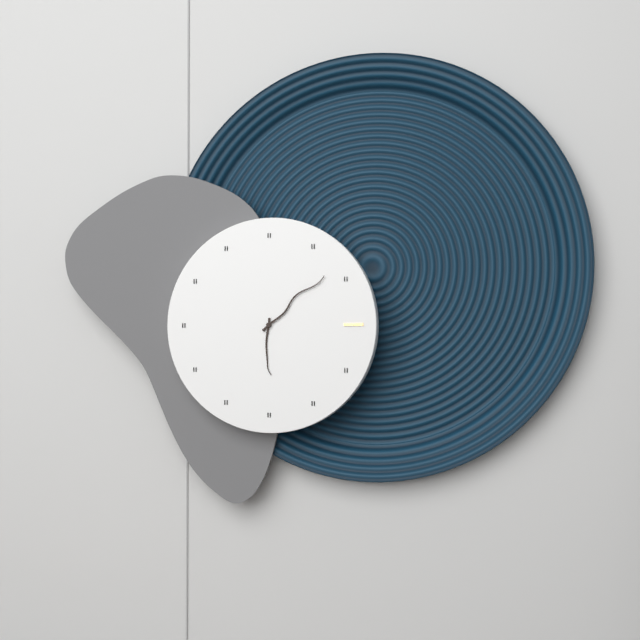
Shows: h=6 m=8
